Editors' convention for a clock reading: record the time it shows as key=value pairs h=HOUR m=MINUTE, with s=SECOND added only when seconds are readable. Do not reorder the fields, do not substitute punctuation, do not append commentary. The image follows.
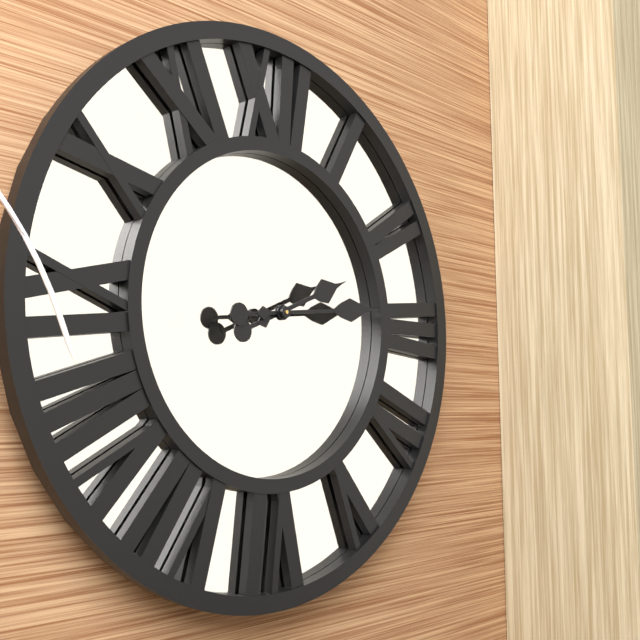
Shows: h=2 m=14
